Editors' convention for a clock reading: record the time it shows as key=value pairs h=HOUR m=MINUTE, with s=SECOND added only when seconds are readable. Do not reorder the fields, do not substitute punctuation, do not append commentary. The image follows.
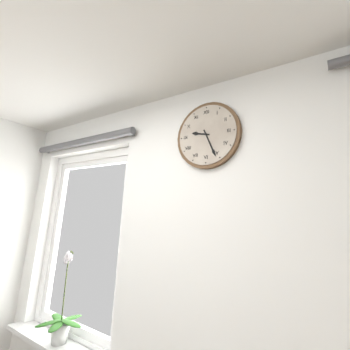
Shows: h=9 m=26
